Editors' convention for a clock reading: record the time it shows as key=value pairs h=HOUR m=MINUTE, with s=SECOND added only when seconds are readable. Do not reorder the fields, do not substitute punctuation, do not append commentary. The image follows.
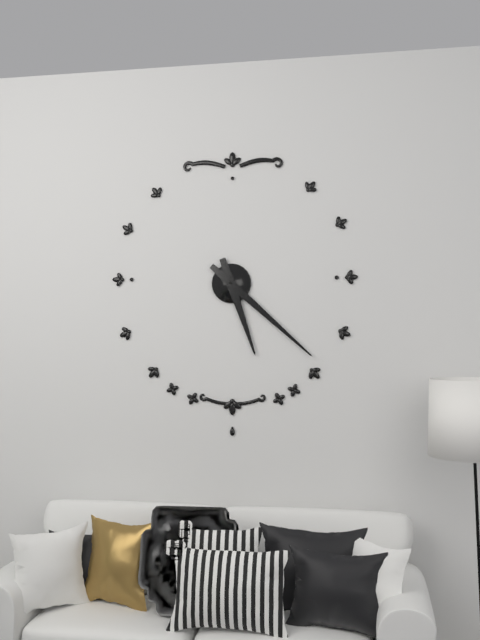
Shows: h=5 m=22
